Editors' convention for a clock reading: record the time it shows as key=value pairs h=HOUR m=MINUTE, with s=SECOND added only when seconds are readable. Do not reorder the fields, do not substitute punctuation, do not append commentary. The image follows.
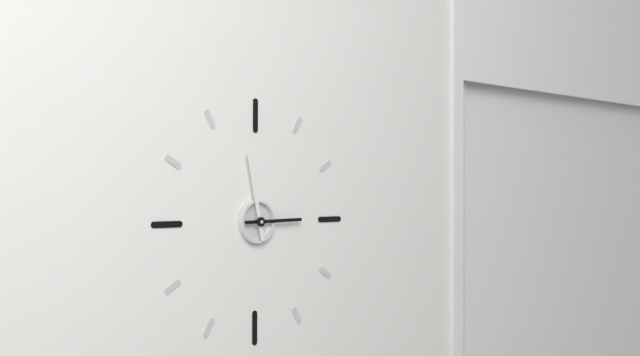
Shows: h=2 m=58
